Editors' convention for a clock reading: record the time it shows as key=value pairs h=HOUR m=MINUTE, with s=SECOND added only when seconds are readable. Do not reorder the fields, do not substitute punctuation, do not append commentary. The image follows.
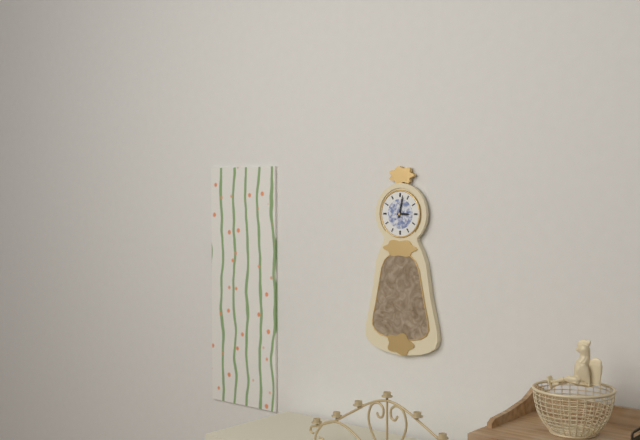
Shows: h=3 m=2
